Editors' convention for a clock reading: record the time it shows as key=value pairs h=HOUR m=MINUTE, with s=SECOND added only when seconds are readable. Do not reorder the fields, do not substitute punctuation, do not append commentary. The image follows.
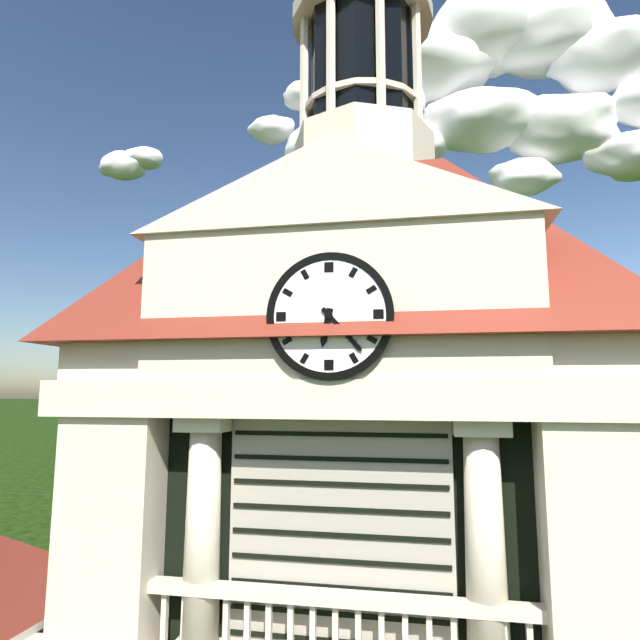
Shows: h=6 m=23
